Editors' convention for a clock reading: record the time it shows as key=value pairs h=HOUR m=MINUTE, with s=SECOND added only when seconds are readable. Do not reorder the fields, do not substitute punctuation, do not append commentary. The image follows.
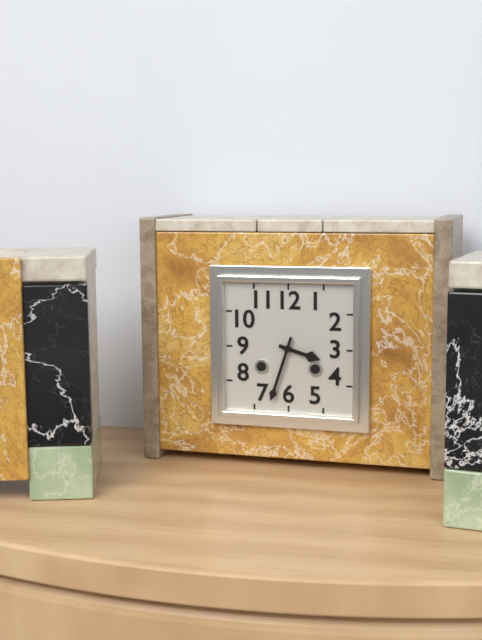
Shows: h=3 m=33
